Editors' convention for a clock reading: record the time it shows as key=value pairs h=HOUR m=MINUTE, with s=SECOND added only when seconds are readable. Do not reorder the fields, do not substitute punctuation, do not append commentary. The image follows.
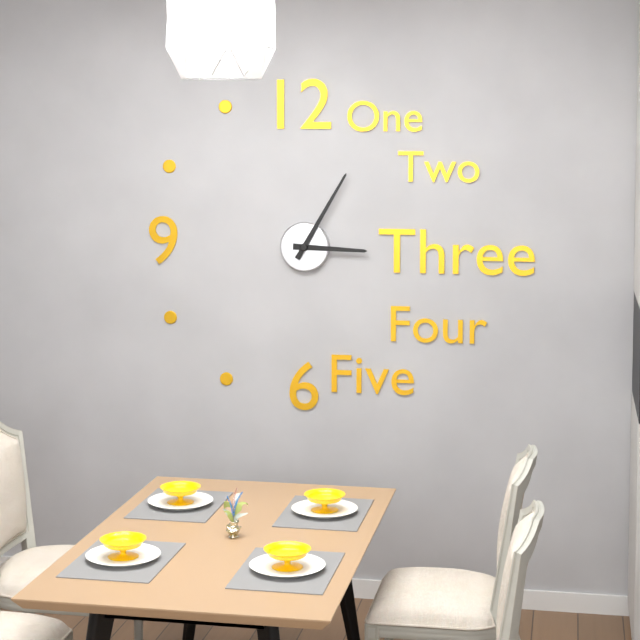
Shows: h=3 m=5
